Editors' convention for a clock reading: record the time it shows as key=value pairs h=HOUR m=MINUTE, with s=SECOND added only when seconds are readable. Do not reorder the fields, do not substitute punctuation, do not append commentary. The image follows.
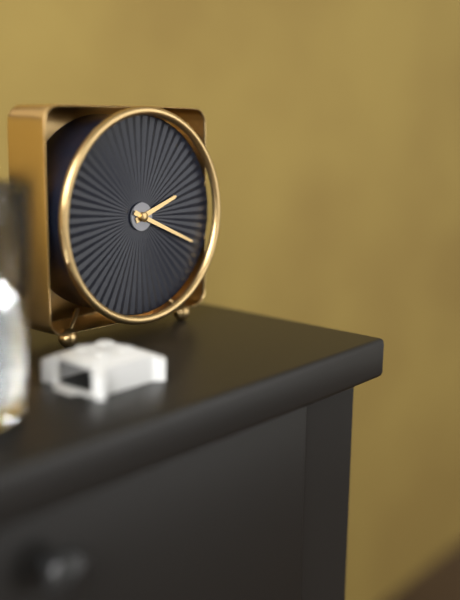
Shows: h=2 m=19
